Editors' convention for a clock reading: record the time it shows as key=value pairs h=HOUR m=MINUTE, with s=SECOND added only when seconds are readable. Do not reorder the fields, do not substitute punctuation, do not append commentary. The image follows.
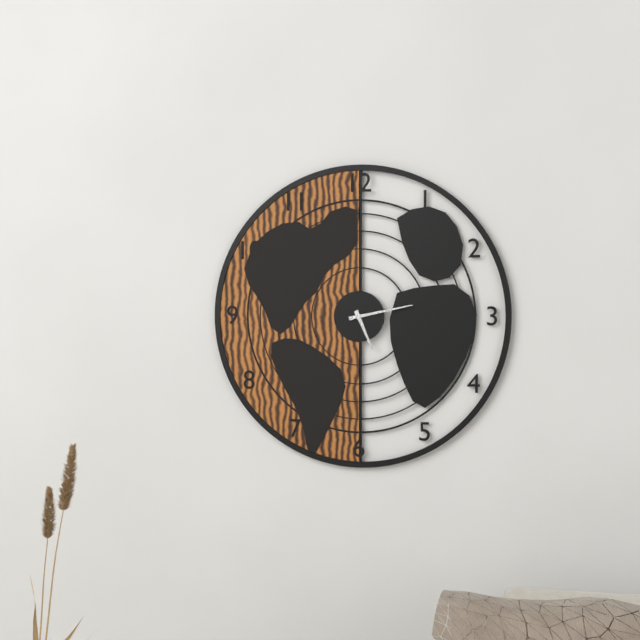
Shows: h=5 m=13
